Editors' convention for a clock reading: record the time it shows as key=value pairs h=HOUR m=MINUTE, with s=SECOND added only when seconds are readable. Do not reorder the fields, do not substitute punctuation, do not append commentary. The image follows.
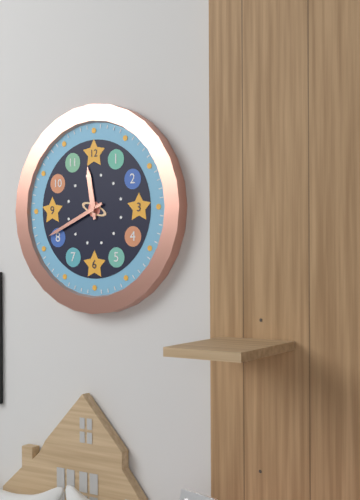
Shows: h=11 m=41
